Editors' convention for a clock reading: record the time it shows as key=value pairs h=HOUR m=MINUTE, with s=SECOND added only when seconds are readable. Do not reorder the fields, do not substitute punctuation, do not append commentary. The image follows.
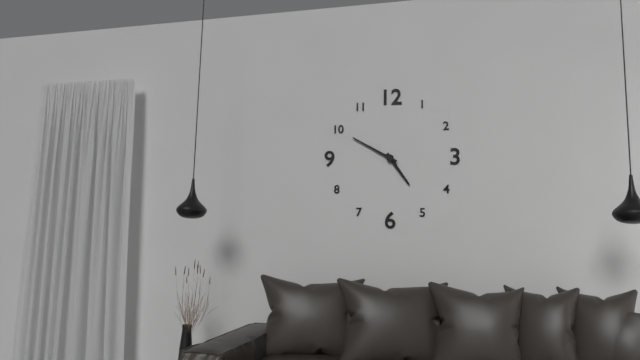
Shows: h=4 m=50
